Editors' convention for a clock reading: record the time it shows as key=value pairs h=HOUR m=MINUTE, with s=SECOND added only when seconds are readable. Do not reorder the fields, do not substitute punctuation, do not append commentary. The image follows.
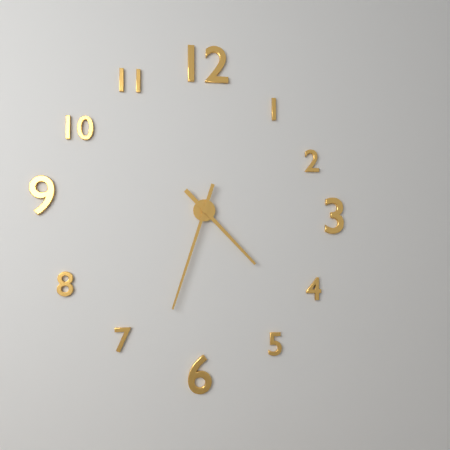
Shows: h=4 m=33
